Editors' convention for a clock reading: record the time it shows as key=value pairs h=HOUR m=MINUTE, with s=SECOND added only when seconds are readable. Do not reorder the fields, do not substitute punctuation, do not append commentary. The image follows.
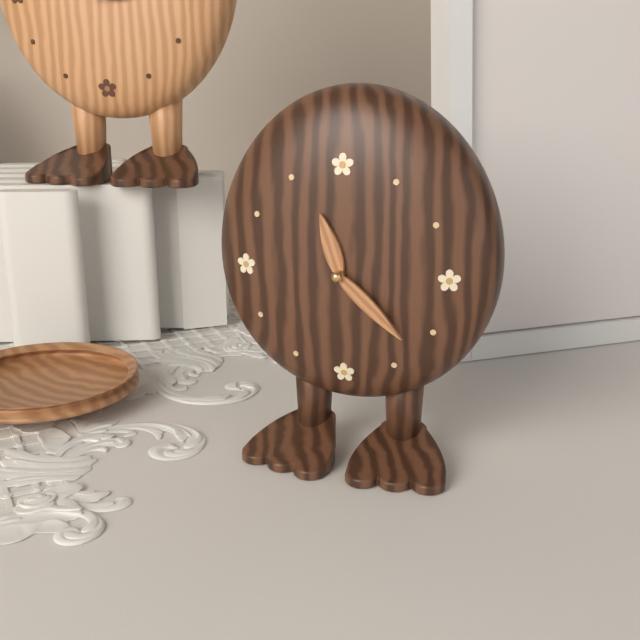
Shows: h=11 m=22
